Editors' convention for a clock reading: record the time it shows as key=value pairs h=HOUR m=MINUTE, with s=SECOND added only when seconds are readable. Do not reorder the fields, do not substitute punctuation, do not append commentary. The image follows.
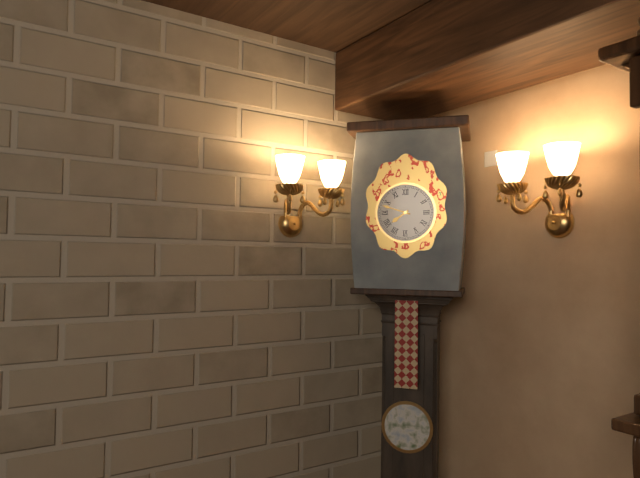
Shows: h=7 m=48
